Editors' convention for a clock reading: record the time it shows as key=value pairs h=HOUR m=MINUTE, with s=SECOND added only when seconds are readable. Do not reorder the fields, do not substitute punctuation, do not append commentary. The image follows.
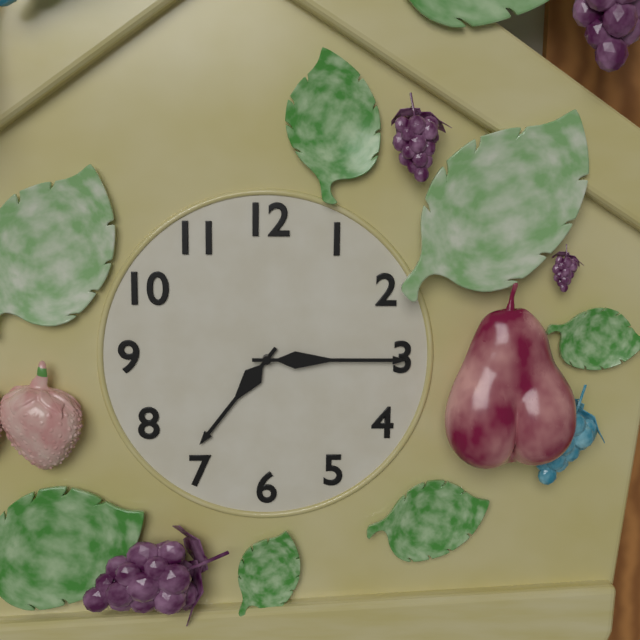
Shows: h=7 m=15
